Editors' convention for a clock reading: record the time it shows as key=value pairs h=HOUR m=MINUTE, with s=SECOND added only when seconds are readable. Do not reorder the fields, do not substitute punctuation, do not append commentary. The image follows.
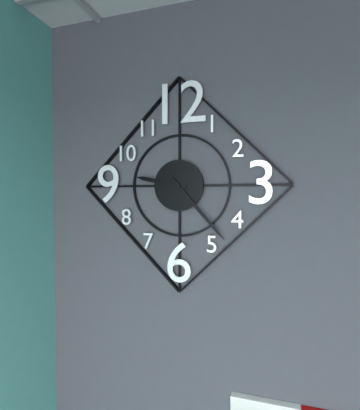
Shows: h=9 m=23
